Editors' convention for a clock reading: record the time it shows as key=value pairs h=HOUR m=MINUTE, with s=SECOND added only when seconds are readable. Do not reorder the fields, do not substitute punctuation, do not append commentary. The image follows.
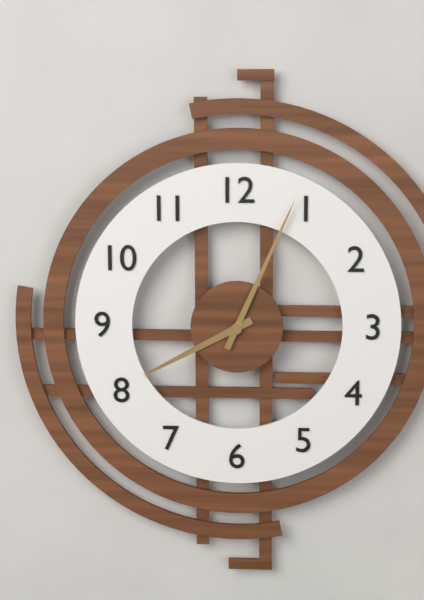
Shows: h=8 m=4
